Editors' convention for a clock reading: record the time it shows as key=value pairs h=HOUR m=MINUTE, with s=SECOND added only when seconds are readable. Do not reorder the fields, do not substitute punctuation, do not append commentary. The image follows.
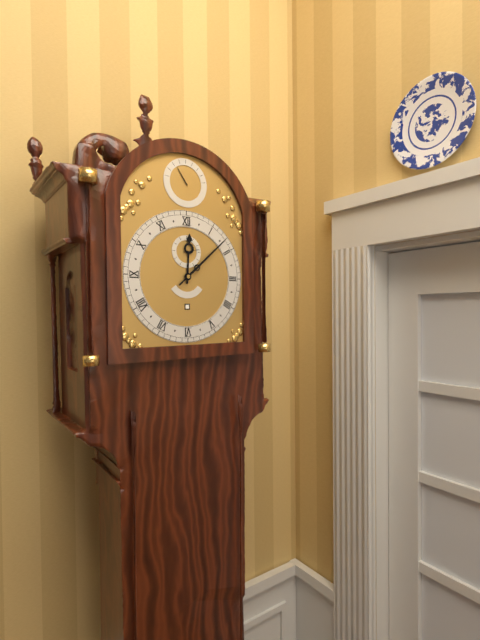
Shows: h=12 m=8
